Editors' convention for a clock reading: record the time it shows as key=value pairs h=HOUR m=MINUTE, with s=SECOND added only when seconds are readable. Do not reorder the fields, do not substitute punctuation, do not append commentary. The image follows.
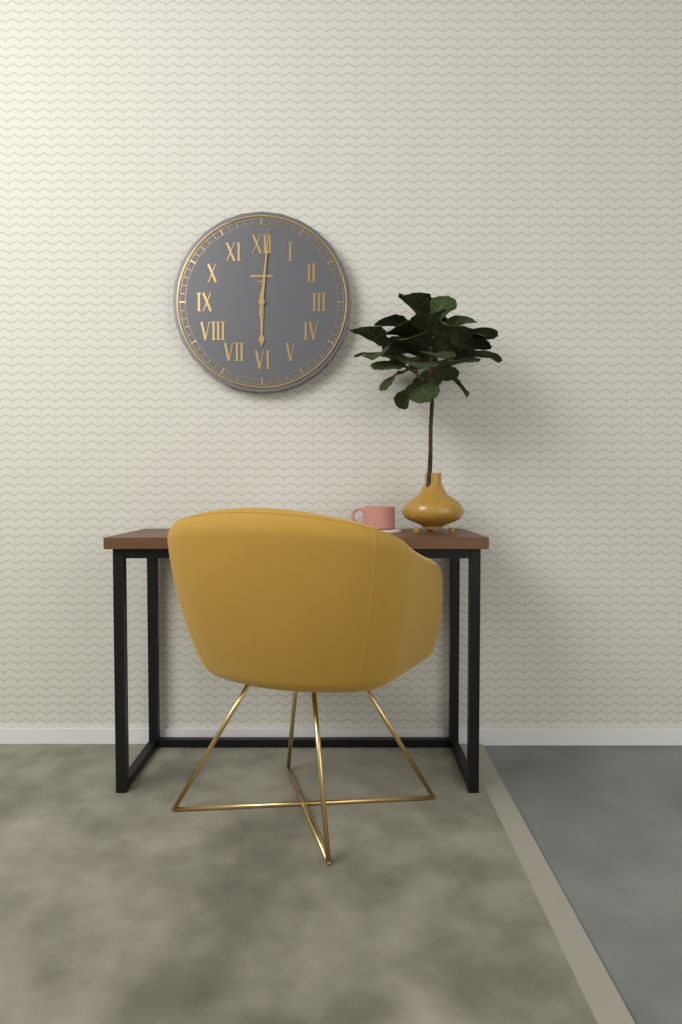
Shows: h=6 m=1
